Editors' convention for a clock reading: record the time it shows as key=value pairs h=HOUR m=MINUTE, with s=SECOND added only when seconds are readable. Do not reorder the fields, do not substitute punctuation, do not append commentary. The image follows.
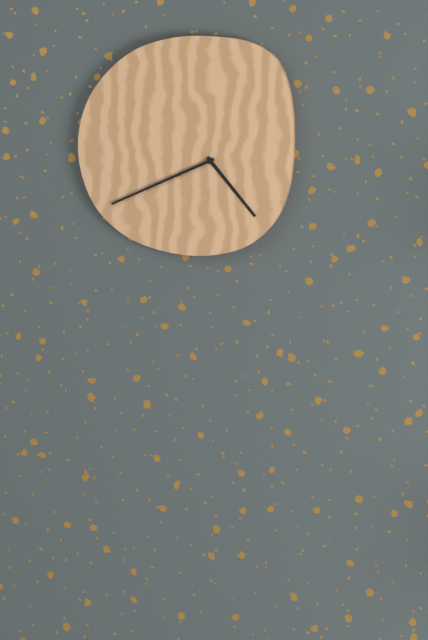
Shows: h=4 m=41
